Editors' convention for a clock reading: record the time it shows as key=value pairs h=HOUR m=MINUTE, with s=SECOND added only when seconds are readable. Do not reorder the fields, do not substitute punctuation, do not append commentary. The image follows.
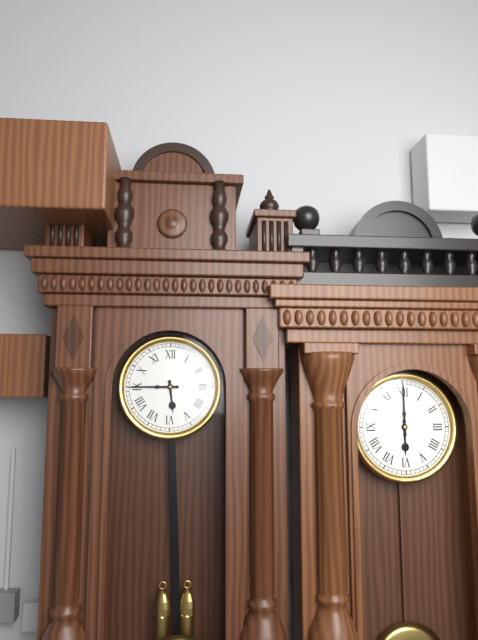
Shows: h=5 m=45
